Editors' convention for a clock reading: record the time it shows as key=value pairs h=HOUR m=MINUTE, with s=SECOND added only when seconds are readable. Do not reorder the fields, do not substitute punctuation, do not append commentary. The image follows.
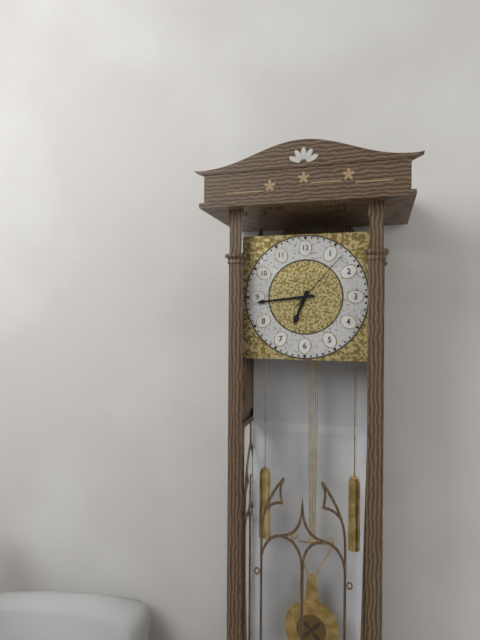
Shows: h=6 m=44 s=7
